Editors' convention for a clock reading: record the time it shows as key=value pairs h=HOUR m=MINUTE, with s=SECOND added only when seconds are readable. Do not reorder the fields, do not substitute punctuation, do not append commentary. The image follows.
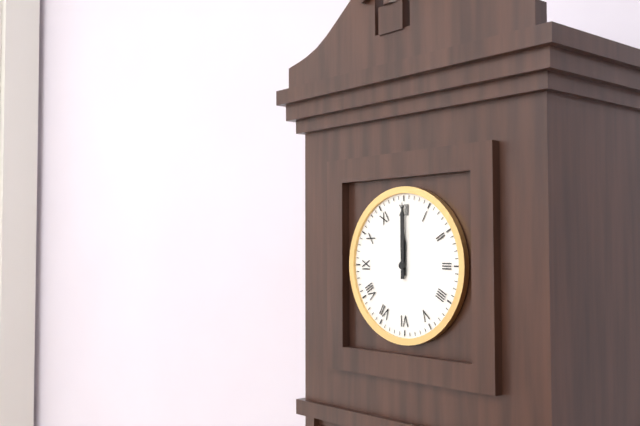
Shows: h=12 m=0
